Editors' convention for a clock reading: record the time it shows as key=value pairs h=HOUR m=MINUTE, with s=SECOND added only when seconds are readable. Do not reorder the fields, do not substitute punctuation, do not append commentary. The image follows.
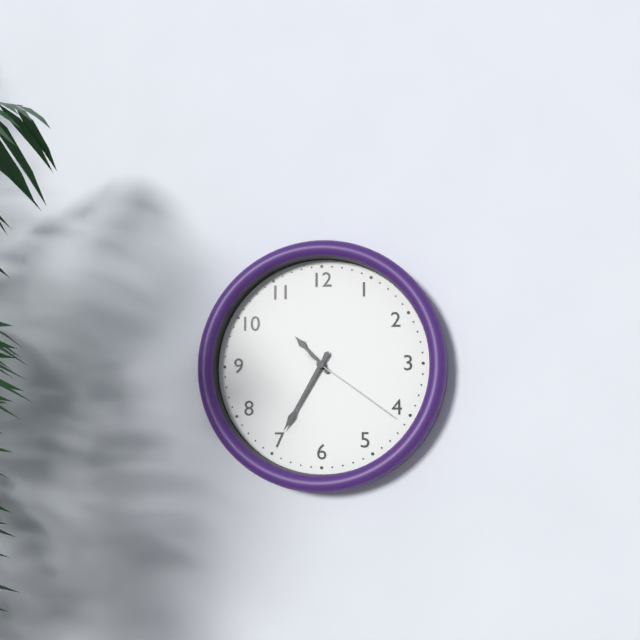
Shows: h=10 m=35 s=21
